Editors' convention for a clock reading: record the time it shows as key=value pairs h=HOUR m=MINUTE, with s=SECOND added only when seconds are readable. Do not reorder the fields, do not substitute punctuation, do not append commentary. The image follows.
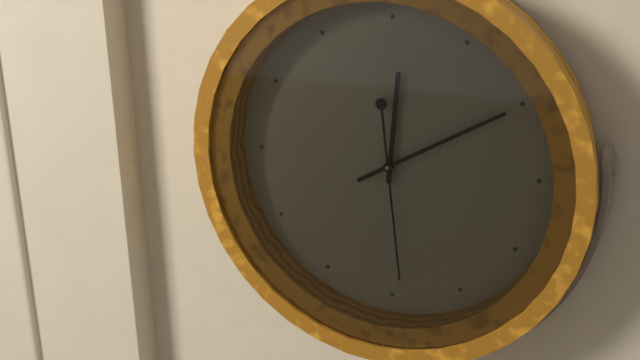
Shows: h=12 m=10 s=29
